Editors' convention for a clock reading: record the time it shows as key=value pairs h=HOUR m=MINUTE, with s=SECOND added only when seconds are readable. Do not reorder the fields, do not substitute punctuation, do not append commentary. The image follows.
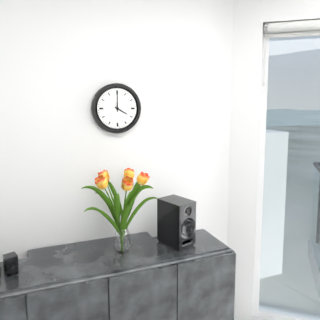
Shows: h=4 m=0
